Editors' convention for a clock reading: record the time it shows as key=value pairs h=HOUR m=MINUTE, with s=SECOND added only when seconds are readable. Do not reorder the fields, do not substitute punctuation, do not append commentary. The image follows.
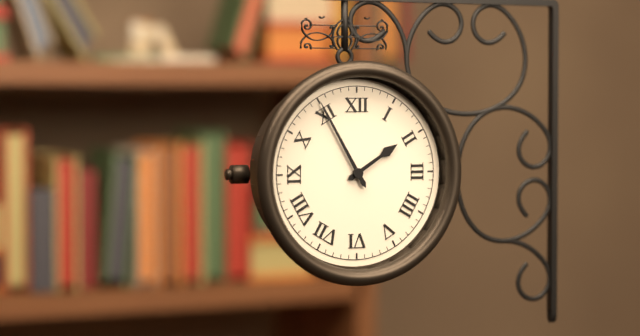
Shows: h=1 m=55
